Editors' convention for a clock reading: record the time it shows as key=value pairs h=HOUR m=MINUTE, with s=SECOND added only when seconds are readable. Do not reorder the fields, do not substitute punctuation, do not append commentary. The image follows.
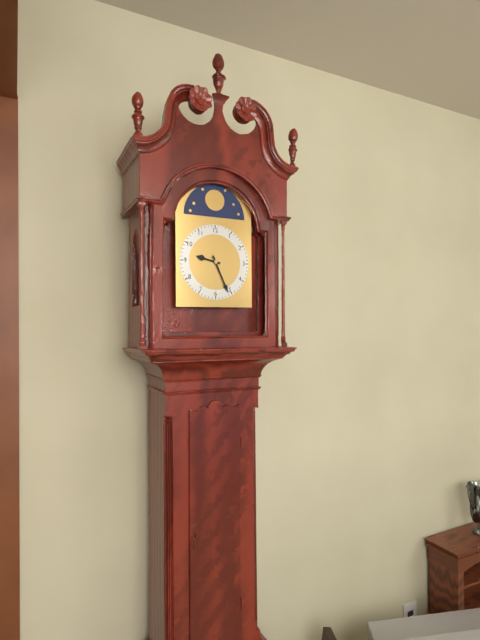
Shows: h=9 m=26
